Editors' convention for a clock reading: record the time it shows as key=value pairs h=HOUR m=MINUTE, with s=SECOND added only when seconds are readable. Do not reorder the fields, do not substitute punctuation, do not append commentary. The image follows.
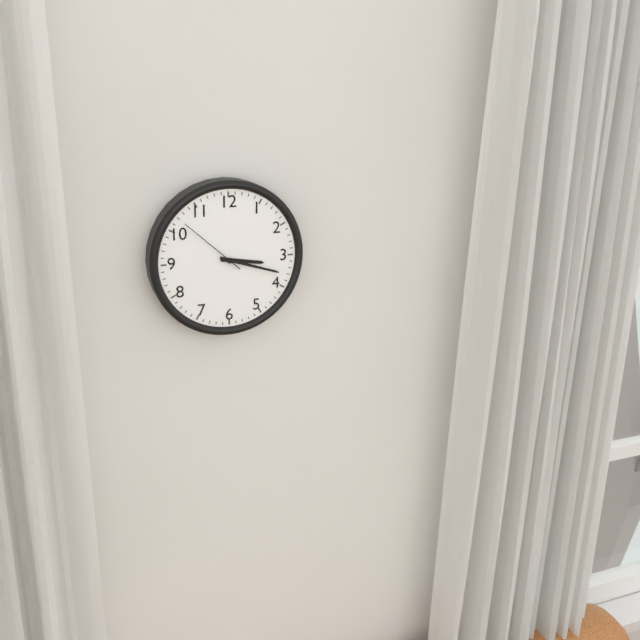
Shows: h=3 m=18 s=52
